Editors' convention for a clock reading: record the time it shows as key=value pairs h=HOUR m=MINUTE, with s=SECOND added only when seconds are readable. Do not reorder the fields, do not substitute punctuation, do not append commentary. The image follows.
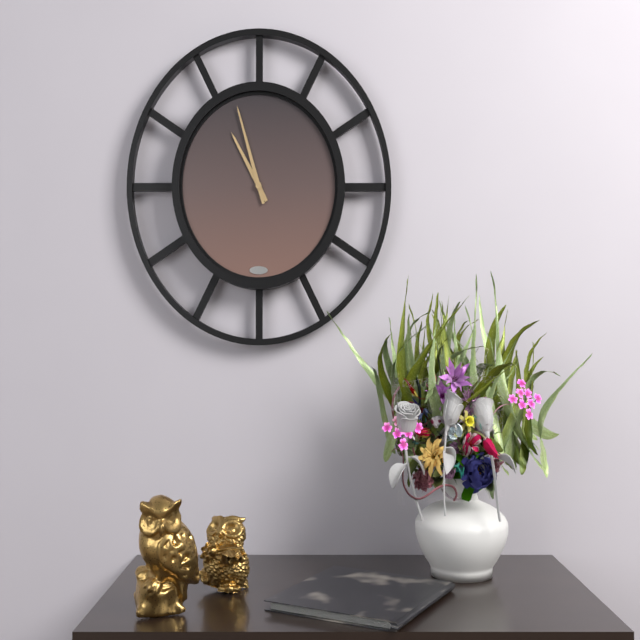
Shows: h=10 m=57
